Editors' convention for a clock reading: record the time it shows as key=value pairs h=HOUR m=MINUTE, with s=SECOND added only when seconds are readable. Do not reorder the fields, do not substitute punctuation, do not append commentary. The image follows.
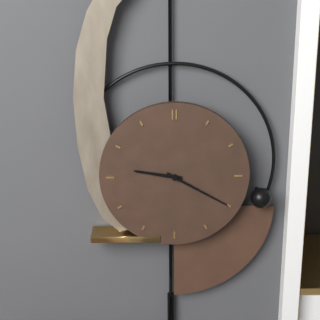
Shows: h=9 m=20
